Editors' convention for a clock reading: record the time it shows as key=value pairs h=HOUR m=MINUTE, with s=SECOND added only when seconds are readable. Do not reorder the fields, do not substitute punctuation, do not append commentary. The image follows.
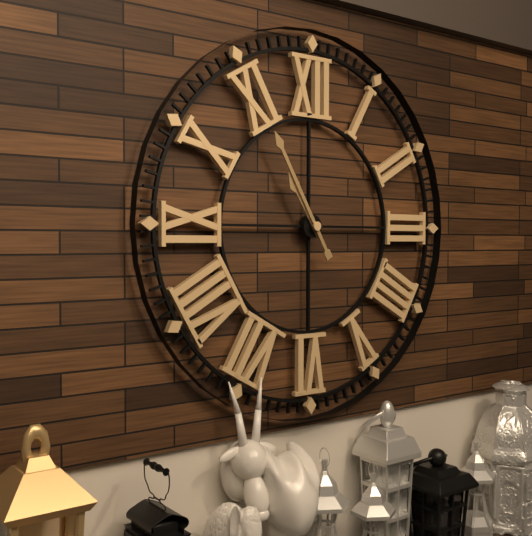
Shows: h=10 m=55
